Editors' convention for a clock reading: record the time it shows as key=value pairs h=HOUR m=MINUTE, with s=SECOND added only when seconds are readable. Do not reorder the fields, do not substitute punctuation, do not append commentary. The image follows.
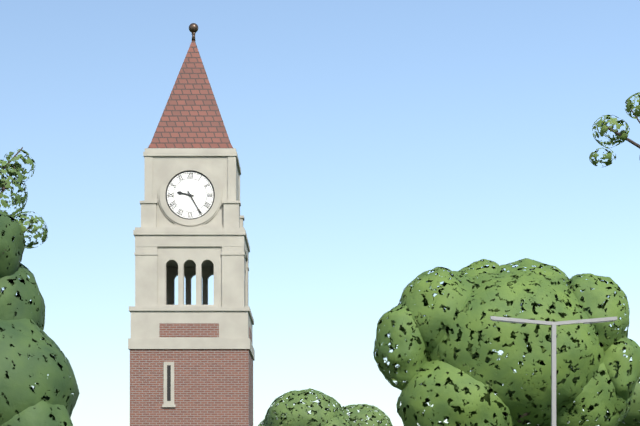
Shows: h=9 m=25
